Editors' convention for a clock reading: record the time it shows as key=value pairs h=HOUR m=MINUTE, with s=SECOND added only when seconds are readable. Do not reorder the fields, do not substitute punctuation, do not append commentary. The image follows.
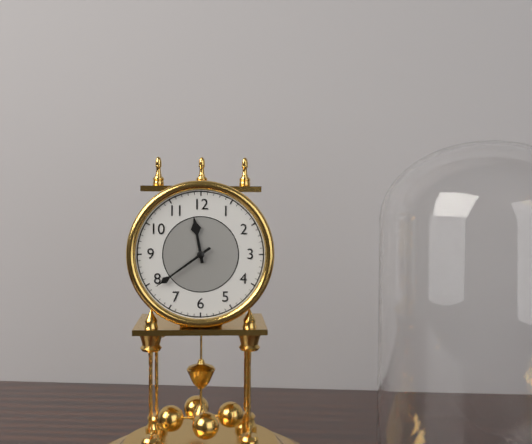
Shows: h=11 m=39
